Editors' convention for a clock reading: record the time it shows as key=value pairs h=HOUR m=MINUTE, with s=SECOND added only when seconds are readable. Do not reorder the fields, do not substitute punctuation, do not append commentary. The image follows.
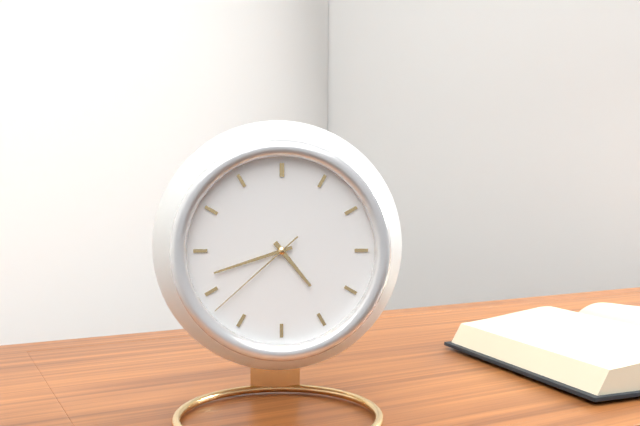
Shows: h=4 m=42 s=38
